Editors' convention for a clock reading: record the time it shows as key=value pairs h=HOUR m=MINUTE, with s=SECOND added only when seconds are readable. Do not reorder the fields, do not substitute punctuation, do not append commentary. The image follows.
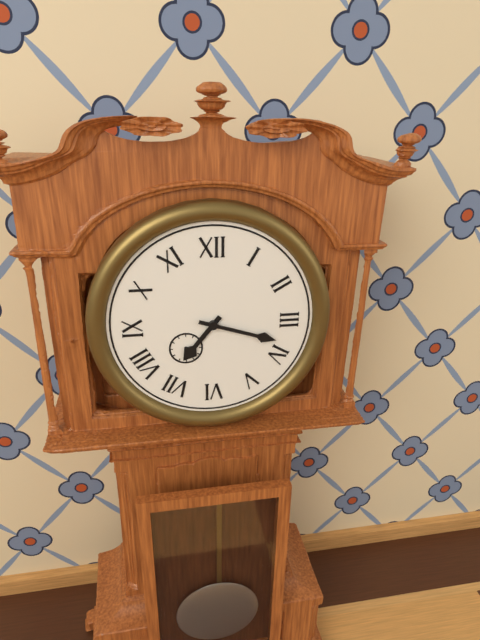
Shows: h=7 m=18
